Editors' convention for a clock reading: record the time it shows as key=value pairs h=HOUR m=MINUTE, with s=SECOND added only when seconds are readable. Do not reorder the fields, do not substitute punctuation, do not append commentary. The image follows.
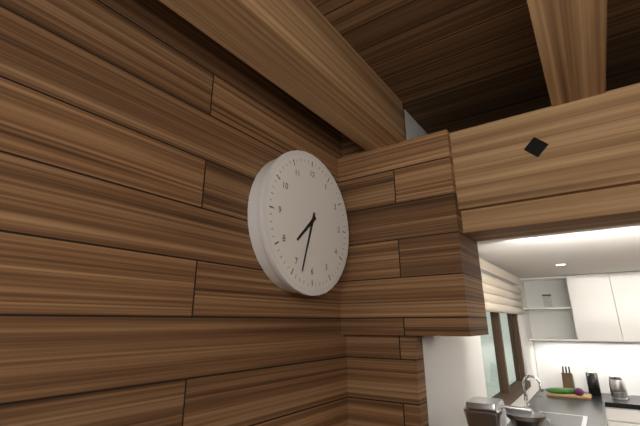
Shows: h=7 m=33
